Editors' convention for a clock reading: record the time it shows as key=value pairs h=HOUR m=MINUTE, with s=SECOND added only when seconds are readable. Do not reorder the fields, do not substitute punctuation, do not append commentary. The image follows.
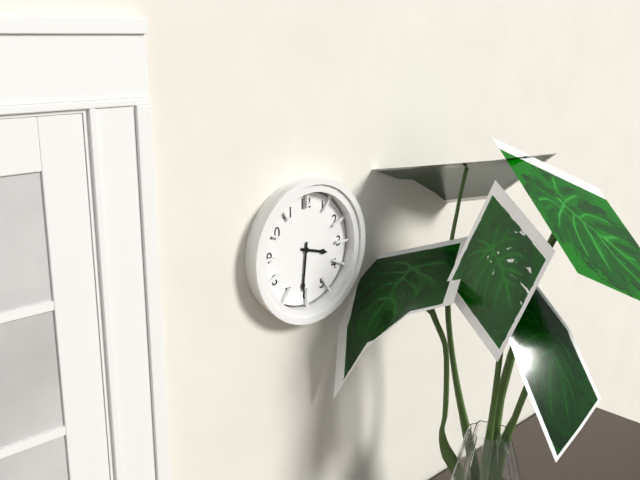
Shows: h=3 m=31
